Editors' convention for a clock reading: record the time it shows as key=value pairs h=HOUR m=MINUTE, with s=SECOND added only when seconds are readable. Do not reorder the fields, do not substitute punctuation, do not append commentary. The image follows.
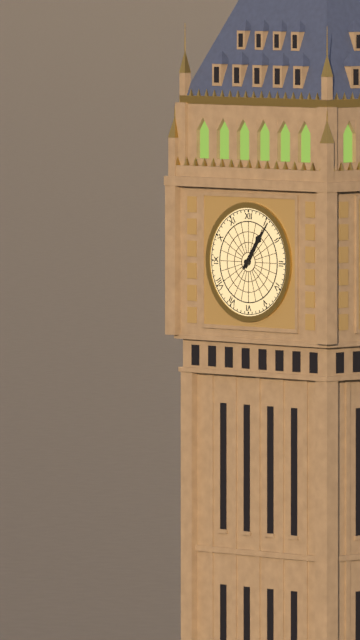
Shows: h=1 m=6
